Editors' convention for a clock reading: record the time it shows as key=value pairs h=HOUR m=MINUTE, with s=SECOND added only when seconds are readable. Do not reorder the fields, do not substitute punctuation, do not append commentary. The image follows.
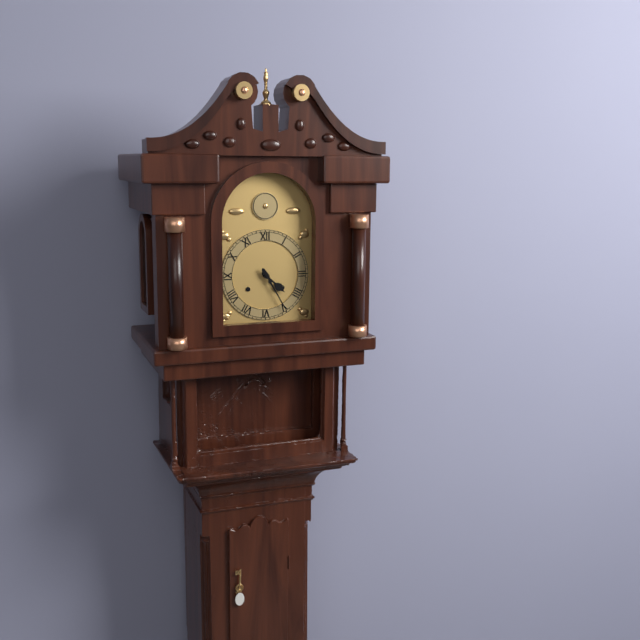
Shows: h=4 m=25
